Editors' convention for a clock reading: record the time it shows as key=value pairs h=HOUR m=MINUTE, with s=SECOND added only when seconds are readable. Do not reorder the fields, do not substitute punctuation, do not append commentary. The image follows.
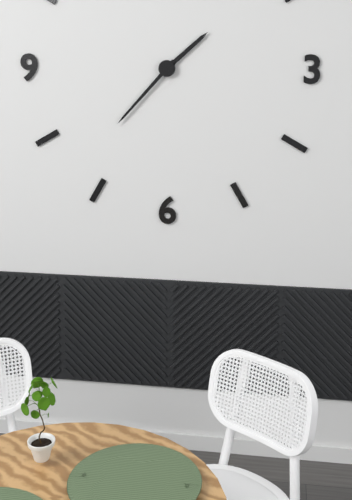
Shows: h=1 m=37
